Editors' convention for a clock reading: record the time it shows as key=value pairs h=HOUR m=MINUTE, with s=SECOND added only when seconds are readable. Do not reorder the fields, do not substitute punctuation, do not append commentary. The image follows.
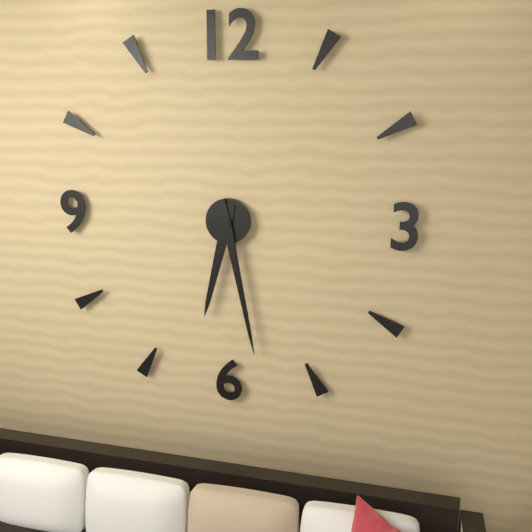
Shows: h=6 m=28
